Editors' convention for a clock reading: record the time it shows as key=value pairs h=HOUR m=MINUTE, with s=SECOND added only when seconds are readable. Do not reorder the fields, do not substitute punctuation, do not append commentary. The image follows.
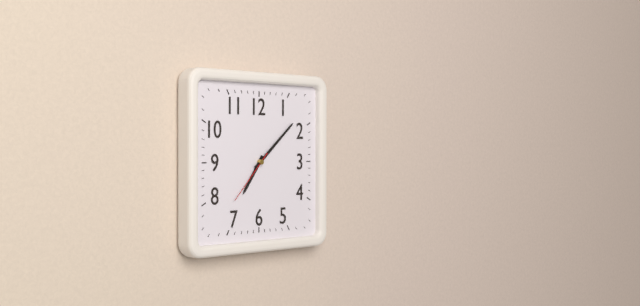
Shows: h=7 m=8 s=37
